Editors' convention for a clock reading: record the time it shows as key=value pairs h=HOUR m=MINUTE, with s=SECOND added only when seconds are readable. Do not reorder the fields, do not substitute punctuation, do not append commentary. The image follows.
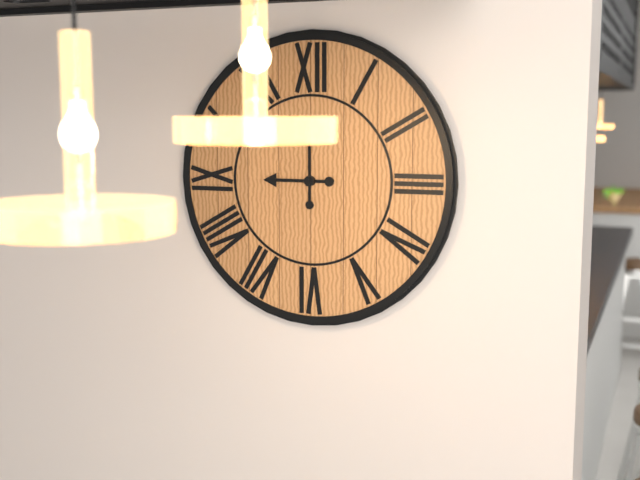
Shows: h=9 m=0
